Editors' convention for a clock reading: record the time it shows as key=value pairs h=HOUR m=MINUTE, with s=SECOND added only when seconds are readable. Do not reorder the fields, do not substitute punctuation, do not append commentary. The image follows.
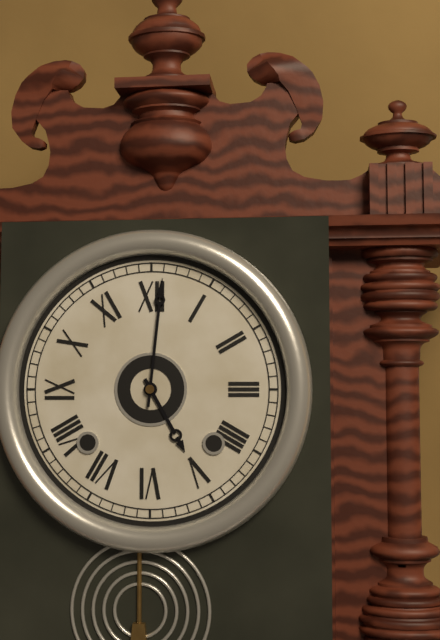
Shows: h=5 m=1
